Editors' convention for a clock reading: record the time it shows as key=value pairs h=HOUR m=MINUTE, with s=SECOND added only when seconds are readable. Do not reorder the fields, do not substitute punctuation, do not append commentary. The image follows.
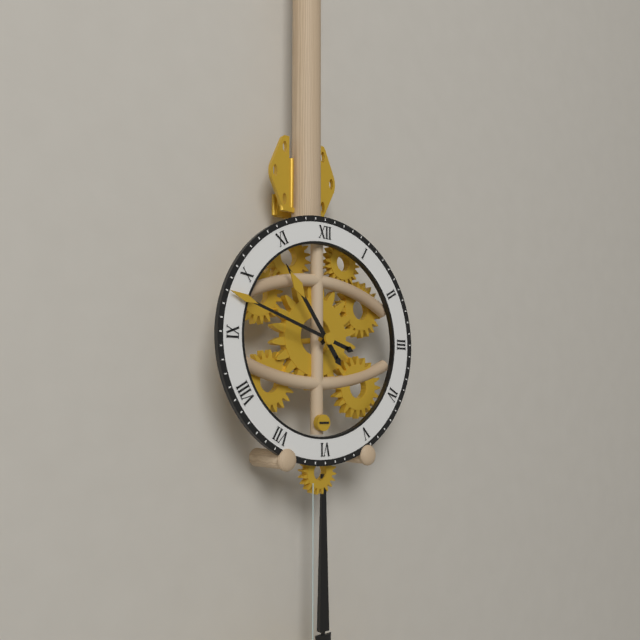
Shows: h=10 m=48
